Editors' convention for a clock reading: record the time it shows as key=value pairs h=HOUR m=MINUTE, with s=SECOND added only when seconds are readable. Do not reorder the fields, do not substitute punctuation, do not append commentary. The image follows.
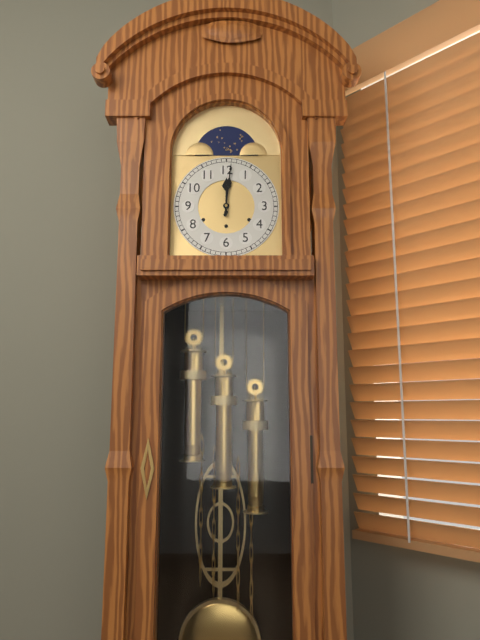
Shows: h=12 m=1
